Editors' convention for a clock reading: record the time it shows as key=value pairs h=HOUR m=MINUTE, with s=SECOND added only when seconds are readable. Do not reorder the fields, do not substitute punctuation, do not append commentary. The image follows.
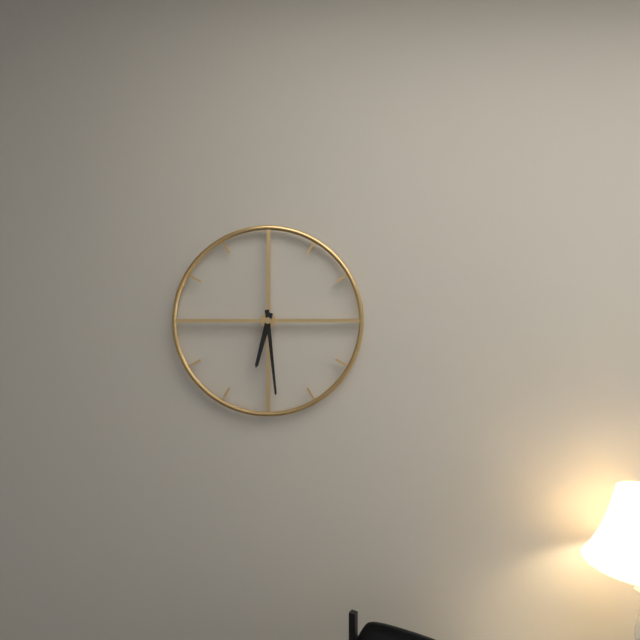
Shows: h=6 m=29
